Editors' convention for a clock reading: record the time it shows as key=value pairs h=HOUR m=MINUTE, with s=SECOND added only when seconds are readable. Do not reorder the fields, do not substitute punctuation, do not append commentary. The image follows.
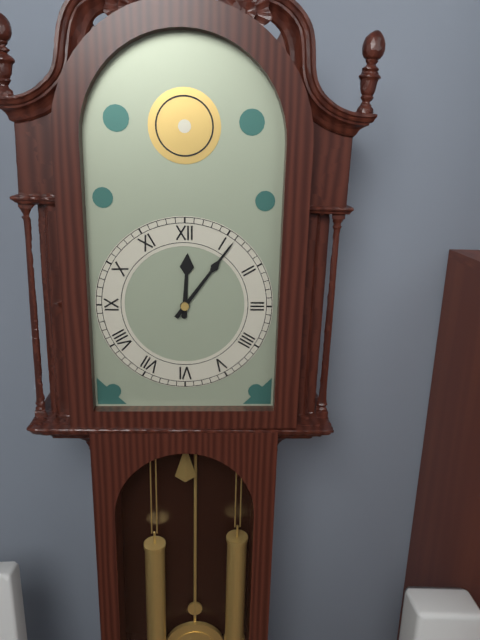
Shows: h=12 m=6
